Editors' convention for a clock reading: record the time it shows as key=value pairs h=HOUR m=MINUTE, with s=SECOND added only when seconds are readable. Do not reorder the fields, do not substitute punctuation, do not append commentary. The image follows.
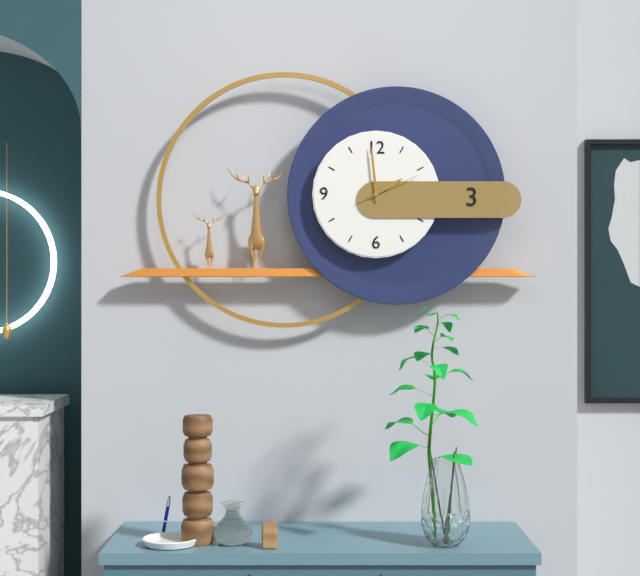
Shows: h=1 m=59 s=11
